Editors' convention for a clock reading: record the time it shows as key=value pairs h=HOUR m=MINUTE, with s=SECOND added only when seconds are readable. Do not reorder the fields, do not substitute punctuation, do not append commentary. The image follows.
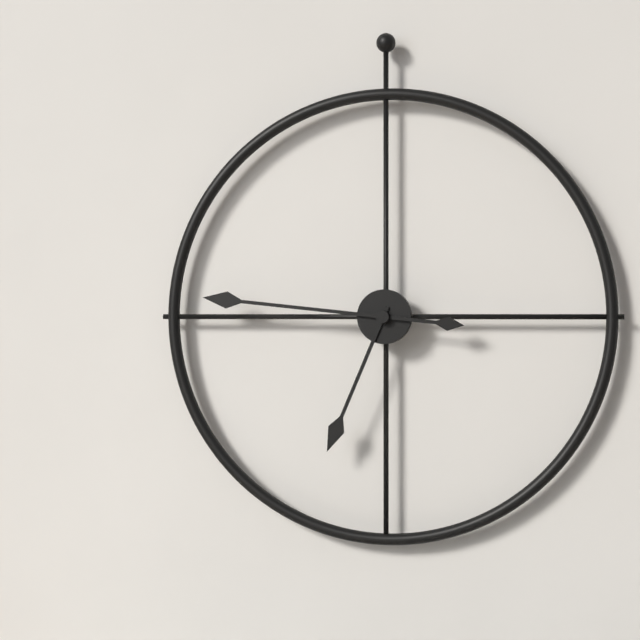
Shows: h=6 m=46
